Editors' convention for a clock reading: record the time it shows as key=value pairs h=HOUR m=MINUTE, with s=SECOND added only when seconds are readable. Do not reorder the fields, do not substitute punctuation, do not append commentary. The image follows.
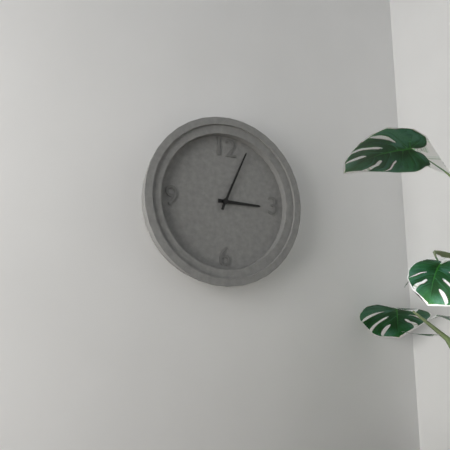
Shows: h=3 m=4
